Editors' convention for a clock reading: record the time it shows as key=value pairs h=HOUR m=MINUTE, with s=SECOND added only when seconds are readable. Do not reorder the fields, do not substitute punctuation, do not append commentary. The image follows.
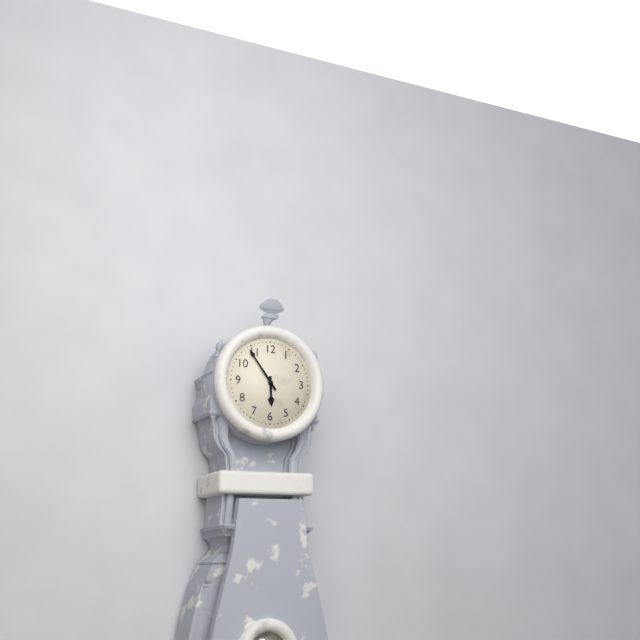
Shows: h=5 m=54
